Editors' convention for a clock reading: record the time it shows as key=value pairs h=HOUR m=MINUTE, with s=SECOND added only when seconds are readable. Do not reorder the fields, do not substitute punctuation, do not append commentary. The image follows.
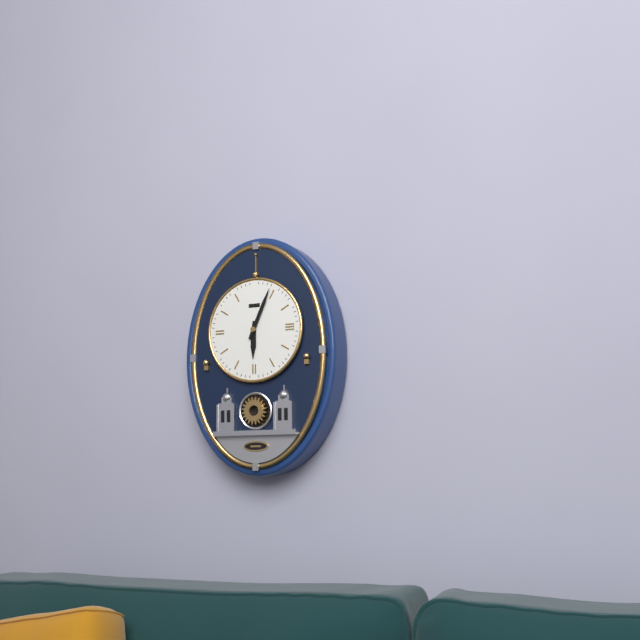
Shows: h=6 m=4
